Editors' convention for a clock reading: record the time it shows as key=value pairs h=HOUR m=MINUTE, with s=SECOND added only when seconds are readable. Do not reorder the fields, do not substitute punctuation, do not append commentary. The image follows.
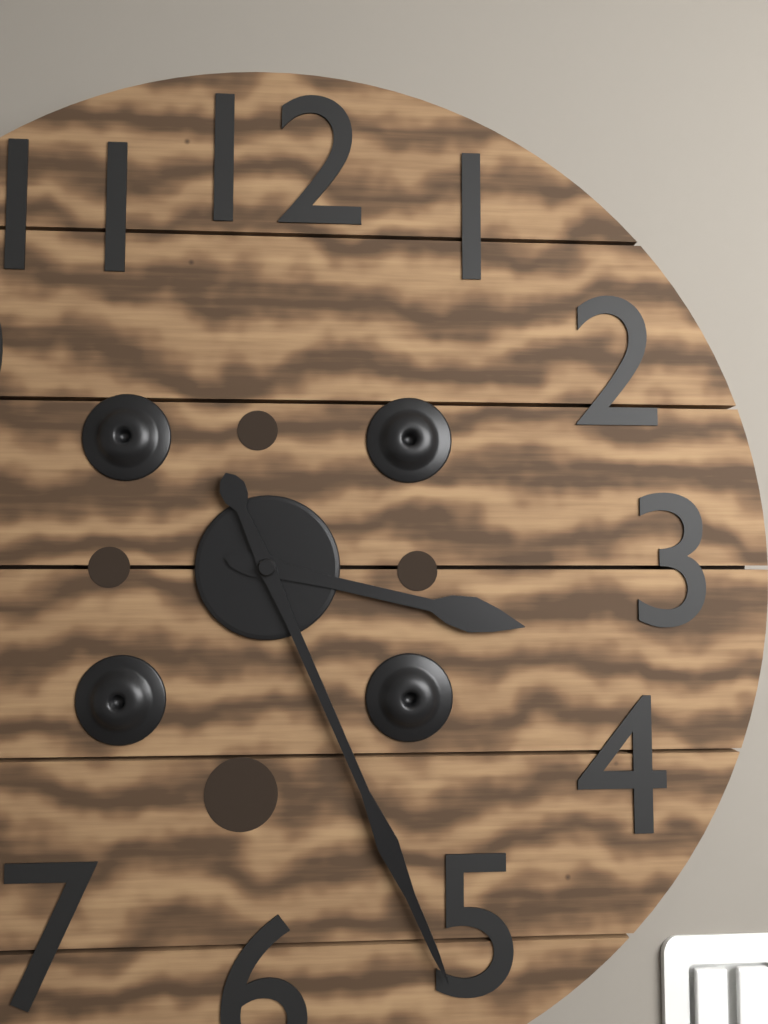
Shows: h=3 m=26
